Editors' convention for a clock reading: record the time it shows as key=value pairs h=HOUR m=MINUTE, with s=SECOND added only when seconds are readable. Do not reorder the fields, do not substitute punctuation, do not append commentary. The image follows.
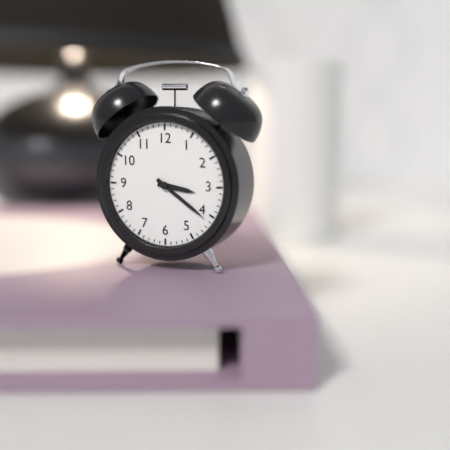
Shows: h=3 m=21
